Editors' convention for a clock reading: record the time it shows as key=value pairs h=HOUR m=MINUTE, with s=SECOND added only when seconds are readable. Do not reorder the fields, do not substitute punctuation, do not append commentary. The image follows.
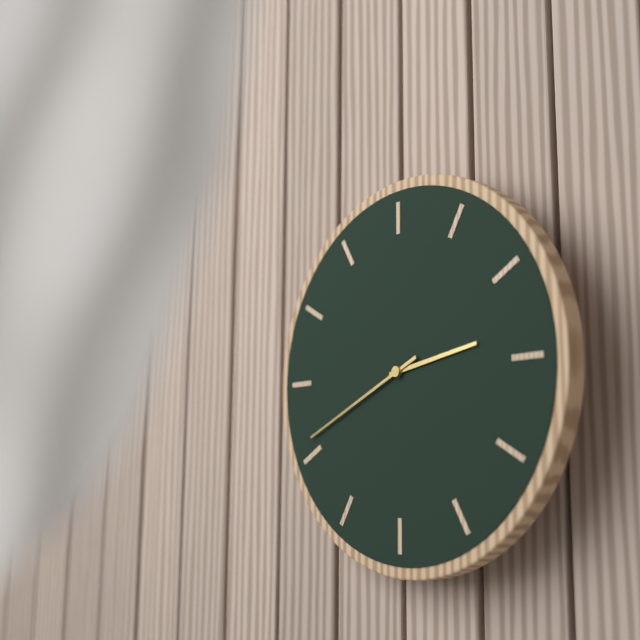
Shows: h=2 m=41
